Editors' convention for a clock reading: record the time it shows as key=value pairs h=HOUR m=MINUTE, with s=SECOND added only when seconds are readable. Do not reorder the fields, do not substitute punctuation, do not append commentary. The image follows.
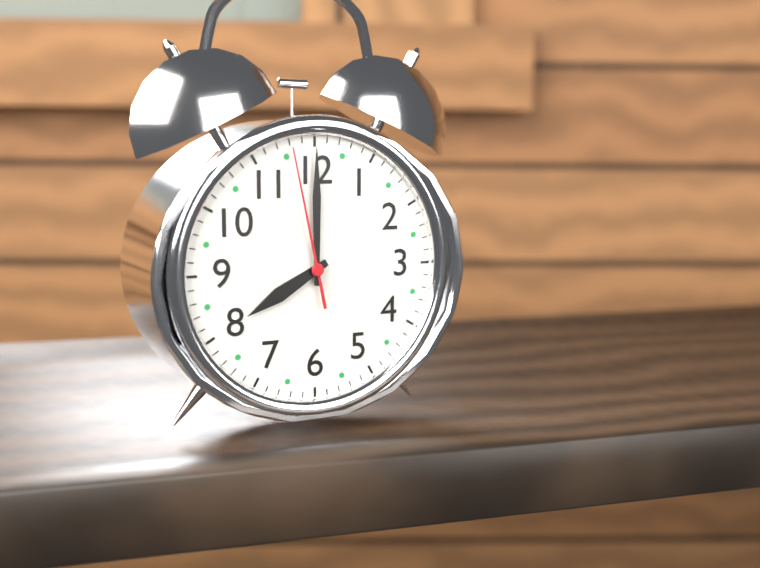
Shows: h=8 m=0 s=58
